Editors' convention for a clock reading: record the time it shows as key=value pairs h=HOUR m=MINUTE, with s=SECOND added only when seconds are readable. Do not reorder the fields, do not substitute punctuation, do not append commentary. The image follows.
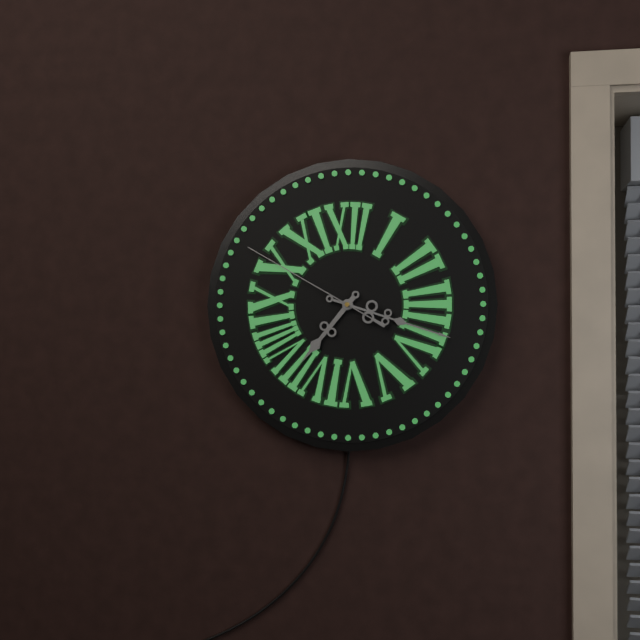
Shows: h=7 m=18 s=50
